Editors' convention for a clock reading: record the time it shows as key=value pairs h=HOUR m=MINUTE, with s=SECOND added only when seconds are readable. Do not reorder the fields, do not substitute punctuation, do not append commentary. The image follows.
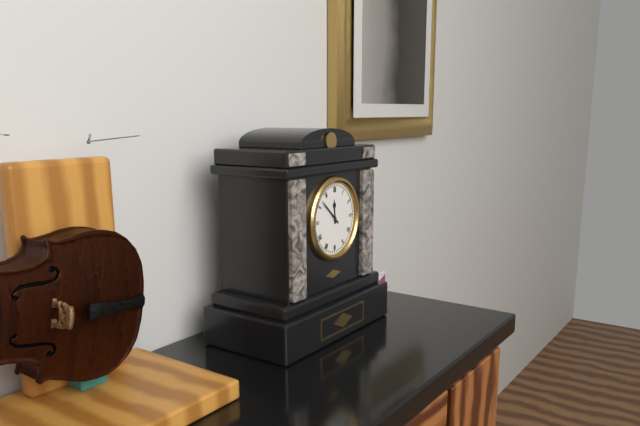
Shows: h=11 m=52
